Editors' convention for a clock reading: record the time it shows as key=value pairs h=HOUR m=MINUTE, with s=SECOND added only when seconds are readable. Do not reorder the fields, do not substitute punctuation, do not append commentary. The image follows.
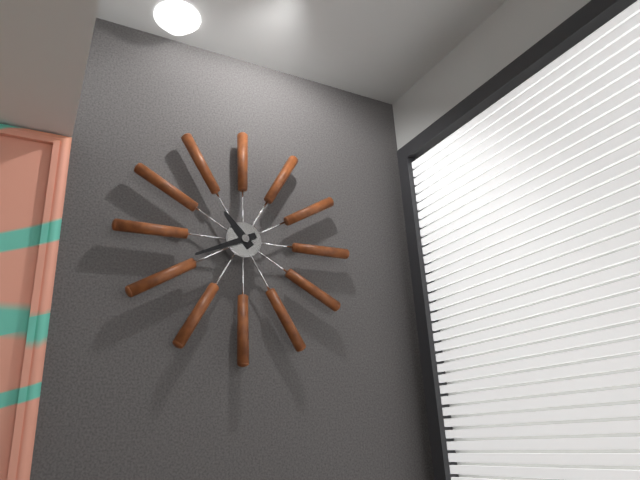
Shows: h=10 m=41
